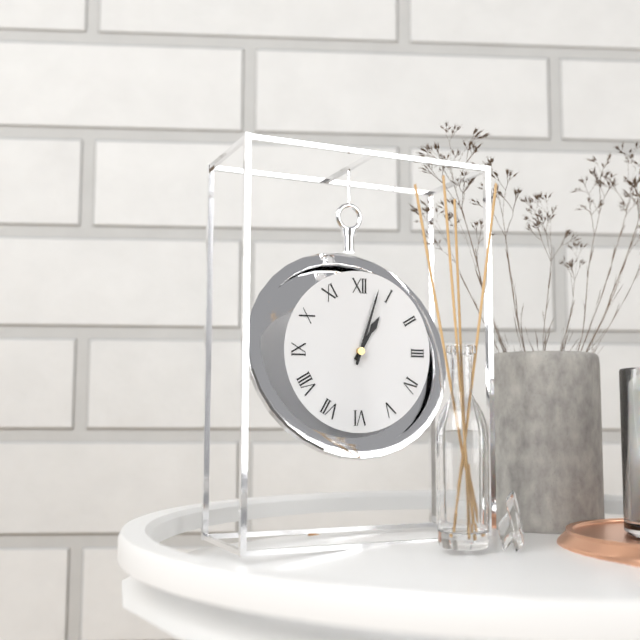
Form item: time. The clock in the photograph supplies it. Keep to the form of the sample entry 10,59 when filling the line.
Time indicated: 1,03
